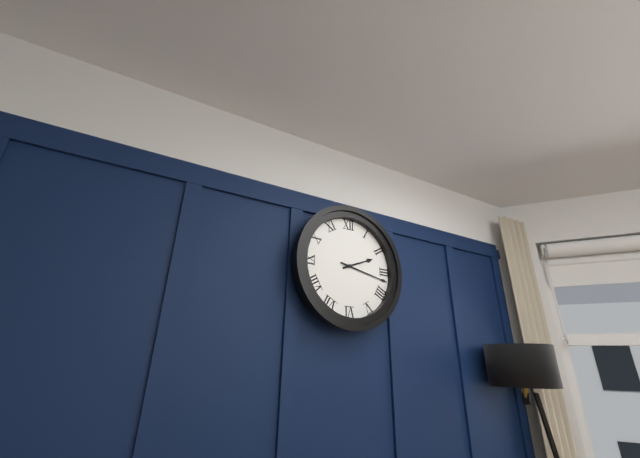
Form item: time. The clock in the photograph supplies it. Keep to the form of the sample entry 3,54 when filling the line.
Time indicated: 2,17
